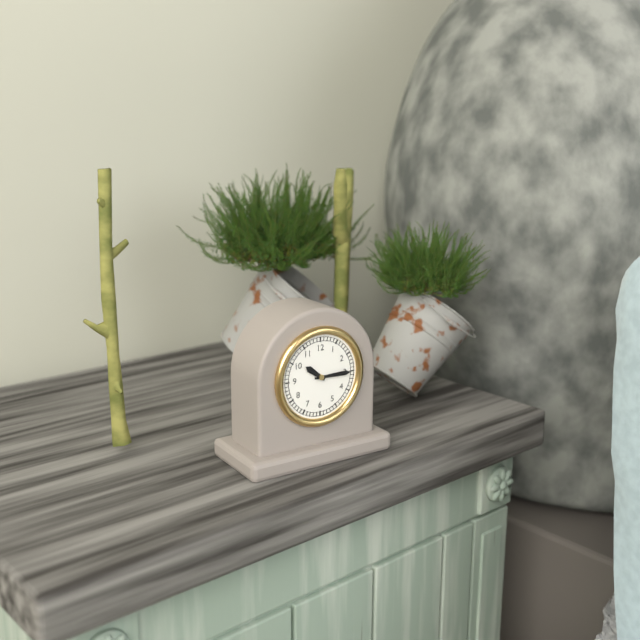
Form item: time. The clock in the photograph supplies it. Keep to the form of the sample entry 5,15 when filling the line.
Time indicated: 10,15
